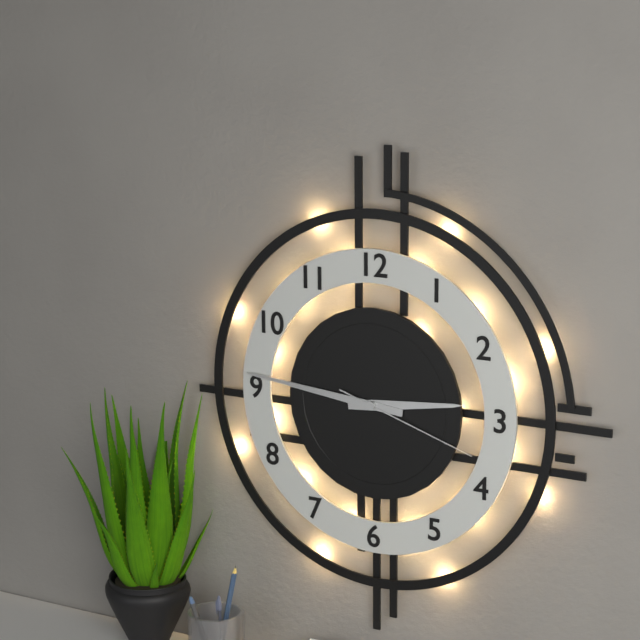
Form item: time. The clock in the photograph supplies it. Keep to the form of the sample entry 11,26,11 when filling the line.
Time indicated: 2,46,18
